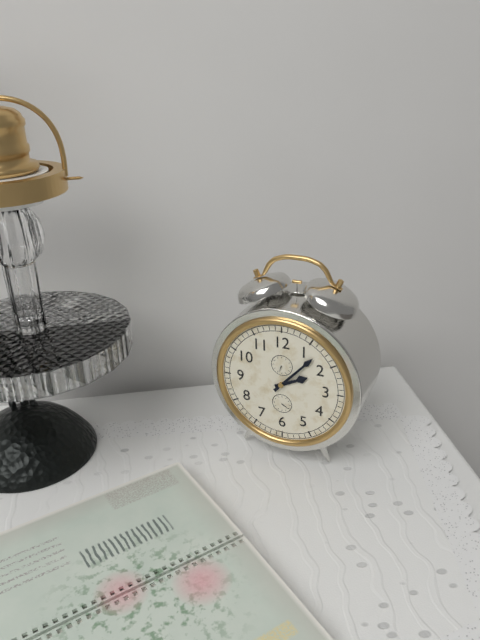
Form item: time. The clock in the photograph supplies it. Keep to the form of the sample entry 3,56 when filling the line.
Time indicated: 2,07
